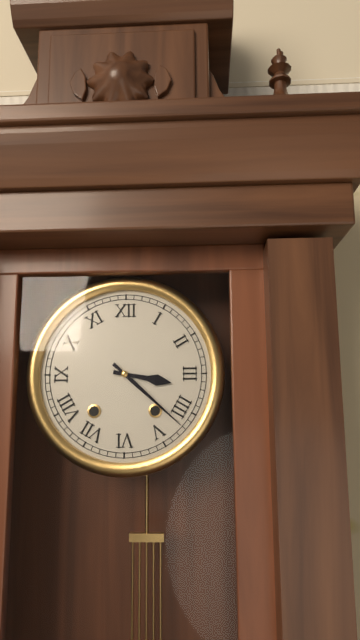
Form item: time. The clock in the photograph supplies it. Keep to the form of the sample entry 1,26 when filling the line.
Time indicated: 3,22
